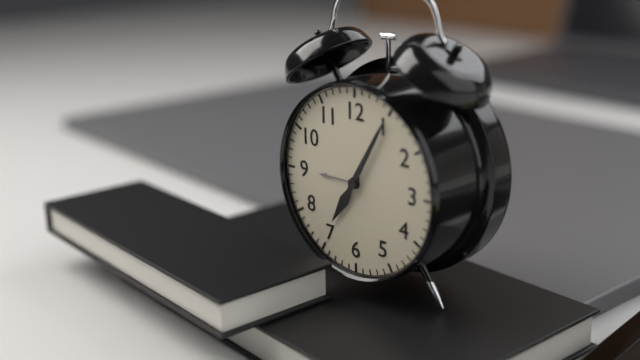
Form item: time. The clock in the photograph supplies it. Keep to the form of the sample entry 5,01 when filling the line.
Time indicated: 7,05
